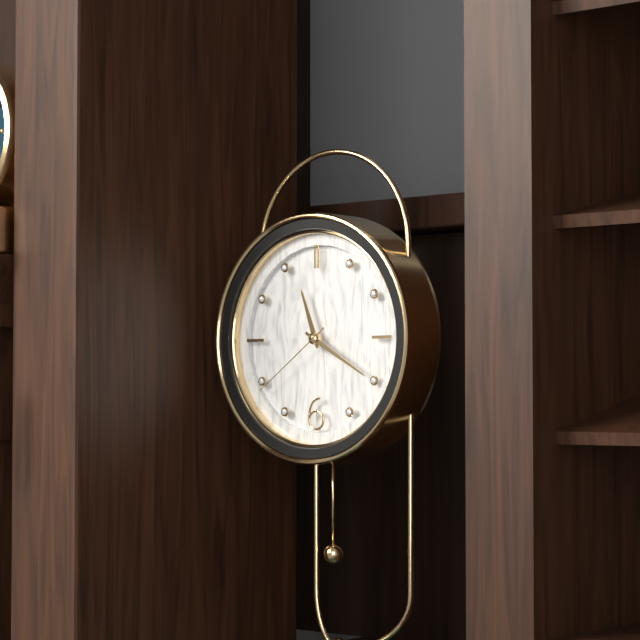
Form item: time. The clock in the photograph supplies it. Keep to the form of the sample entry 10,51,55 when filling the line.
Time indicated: 11,20,39
